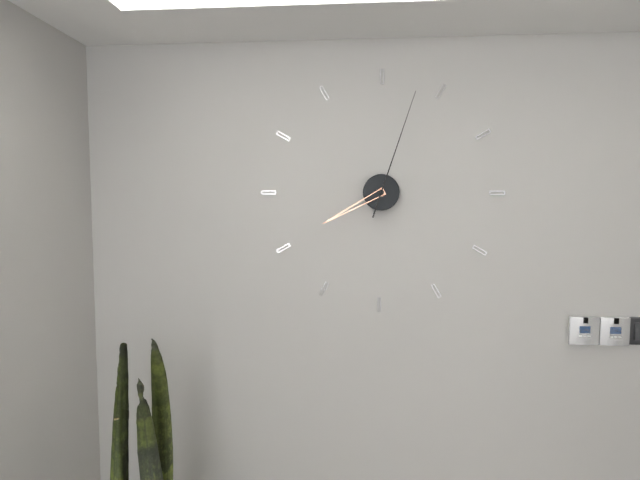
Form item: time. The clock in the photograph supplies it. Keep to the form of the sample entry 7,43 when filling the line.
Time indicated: 8,03
